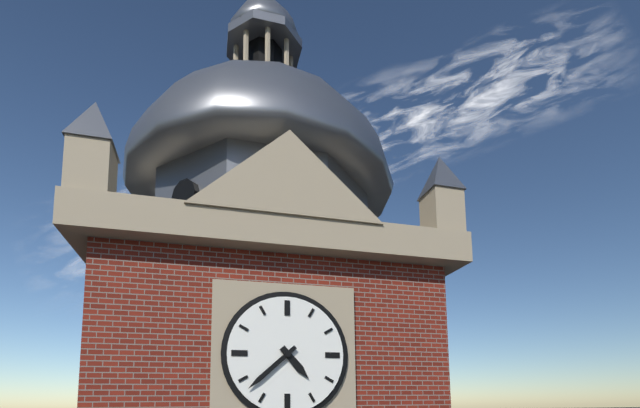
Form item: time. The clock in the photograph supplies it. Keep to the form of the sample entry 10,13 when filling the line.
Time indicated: 4,38
